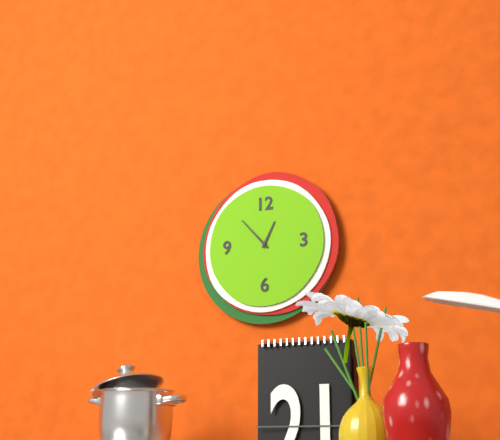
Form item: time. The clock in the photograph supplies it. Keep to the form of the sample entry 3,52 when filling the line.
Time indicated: 12,53
